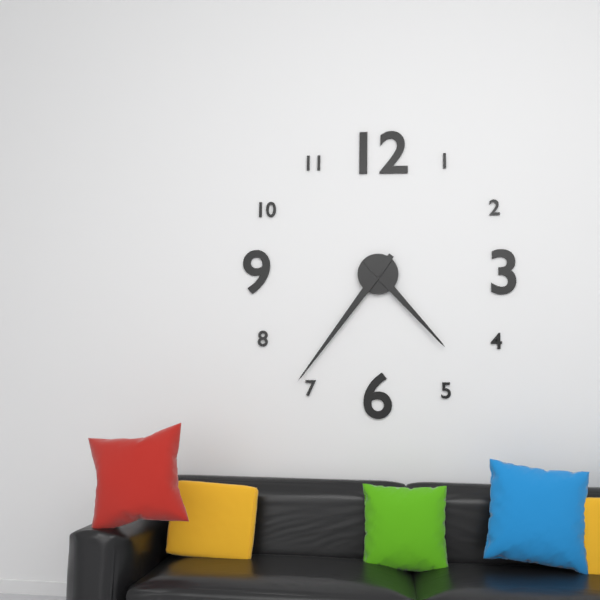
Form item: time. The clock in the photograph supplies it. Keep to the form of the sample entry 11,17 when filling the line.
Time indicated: 4,36
